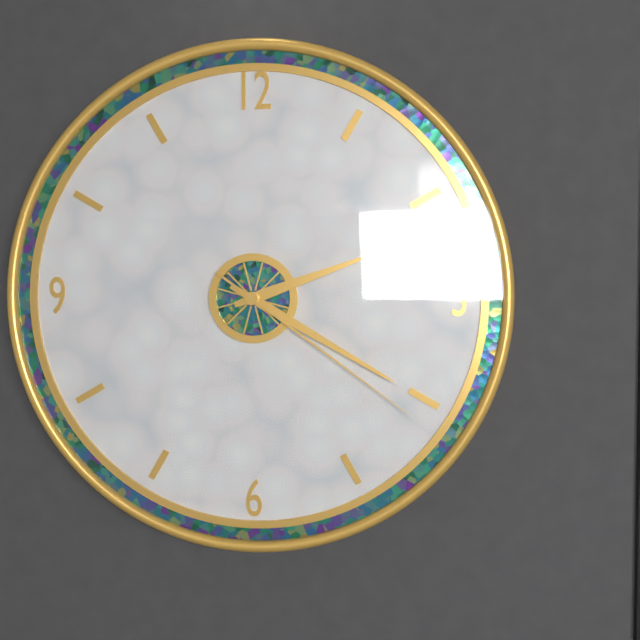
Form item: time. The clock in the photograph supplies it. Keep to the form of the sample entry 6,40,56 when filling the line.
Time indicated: 2,20,21
